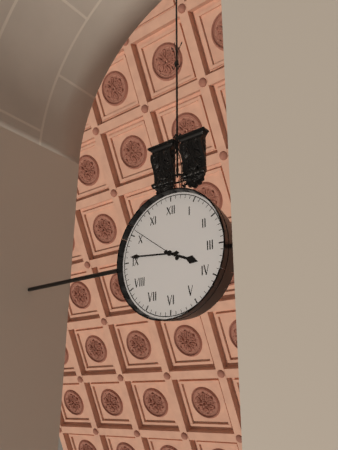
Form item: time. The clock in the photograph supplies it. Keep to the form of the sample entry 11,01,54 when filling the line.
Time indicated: 3,46,51
